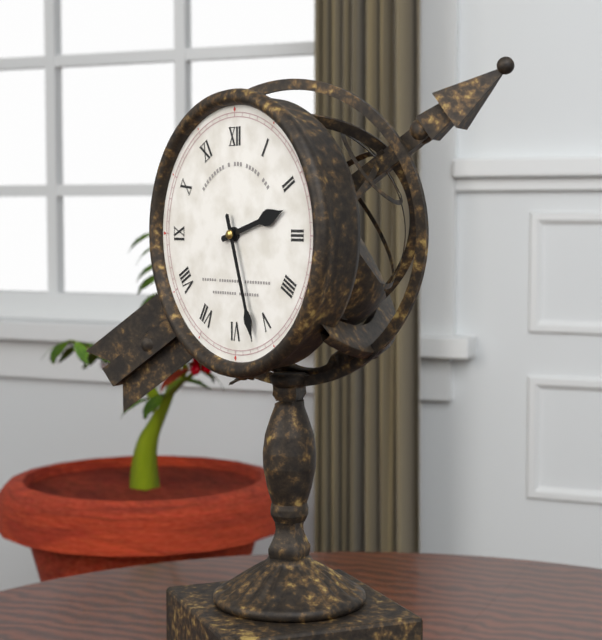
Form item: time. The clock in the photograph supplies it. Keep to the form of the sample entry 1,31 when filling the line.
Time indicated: 2,27
